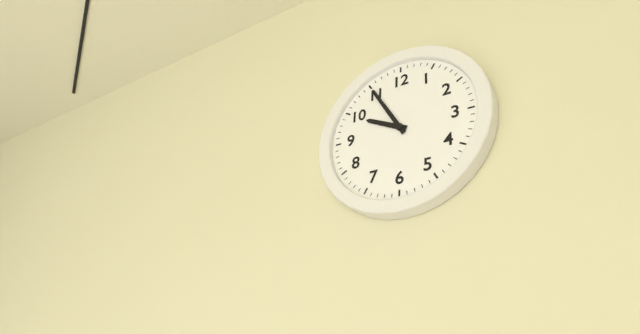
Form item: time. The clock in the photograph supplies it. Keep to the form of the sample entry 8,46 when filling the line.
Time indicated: 9,55
